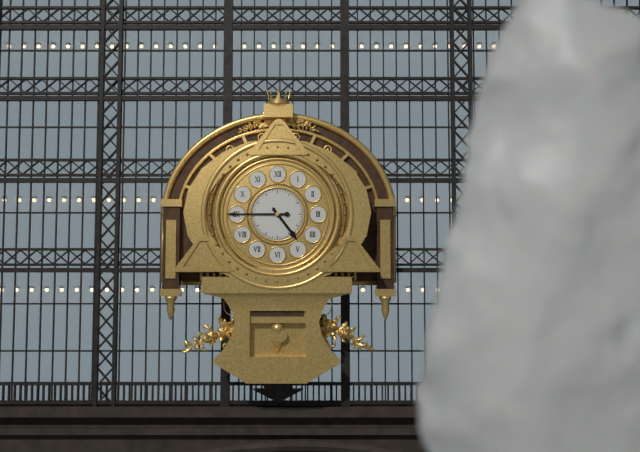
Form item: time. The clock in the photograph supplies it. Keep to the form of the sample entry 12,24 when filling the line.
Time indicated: 4,45
